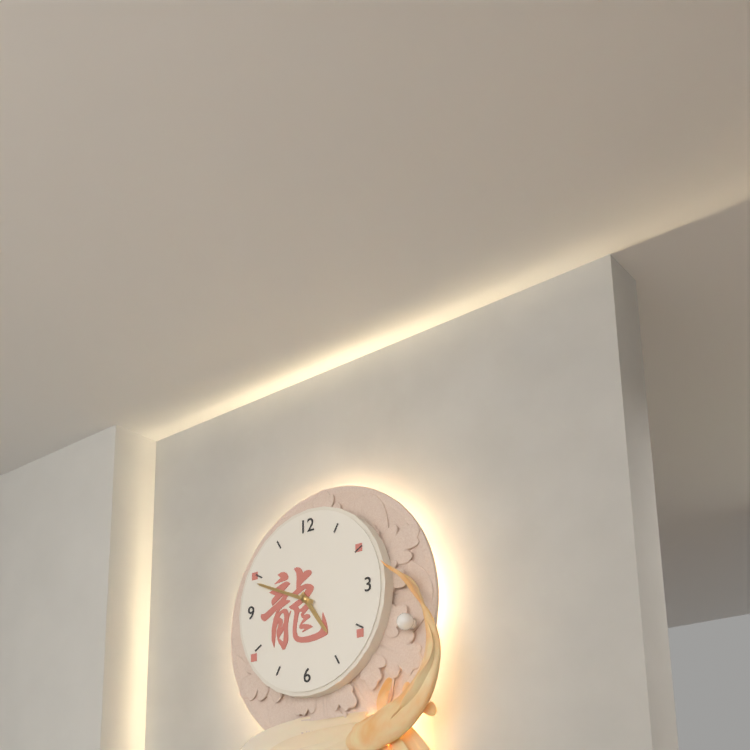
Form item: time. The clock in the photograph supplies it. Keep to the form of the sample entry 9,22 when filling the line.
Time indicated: 4,49
